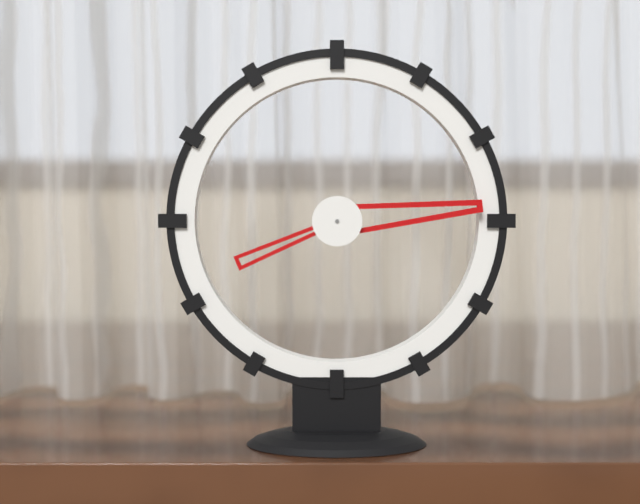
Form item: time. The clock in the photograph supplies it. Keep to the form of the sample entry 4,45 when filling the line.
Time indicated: 8,14
